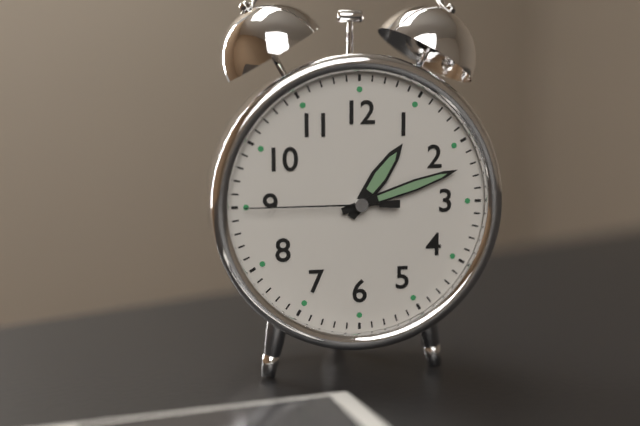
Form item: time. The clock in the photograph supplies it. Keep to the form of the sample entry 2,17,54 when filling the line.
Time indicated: 1,12,45
